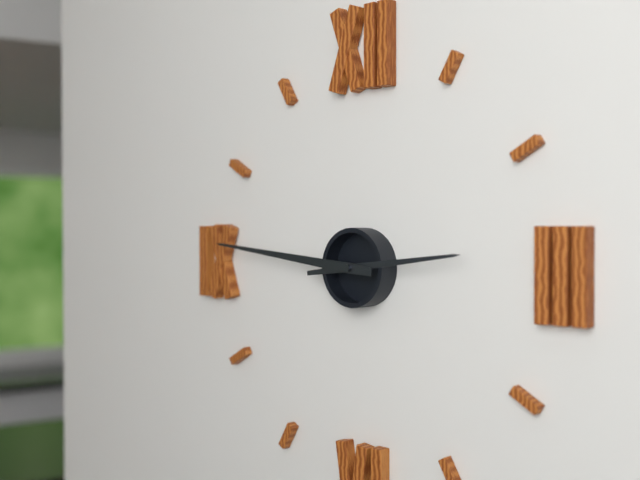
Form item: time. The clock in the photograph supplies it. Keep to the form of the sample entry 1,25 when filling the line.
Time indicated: 2,46
